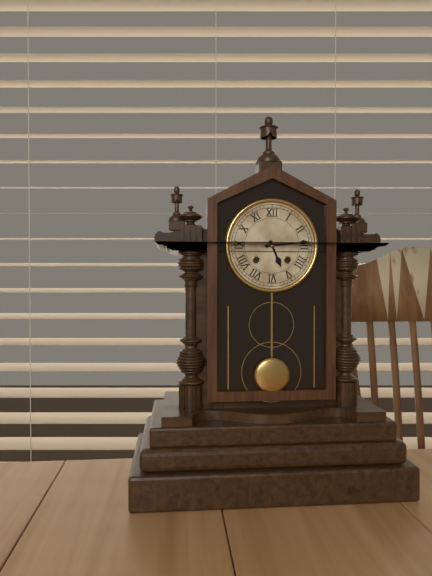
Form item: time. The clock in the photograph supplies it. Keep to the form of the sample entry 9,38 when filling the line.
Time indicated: 5,14
